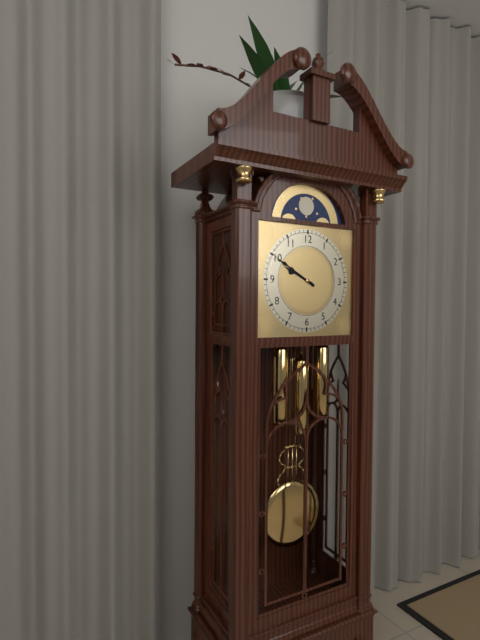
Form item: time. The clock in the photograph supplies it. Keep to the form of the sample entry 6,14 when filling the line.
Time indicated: 9,50
